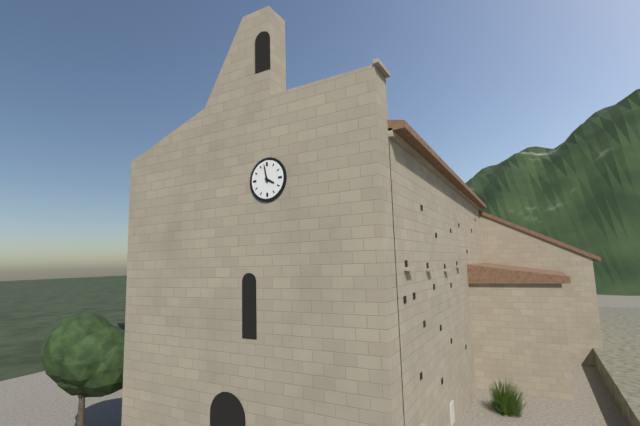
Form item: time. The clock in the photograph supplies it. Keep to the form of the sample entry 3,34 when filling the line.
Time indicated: 3,58
